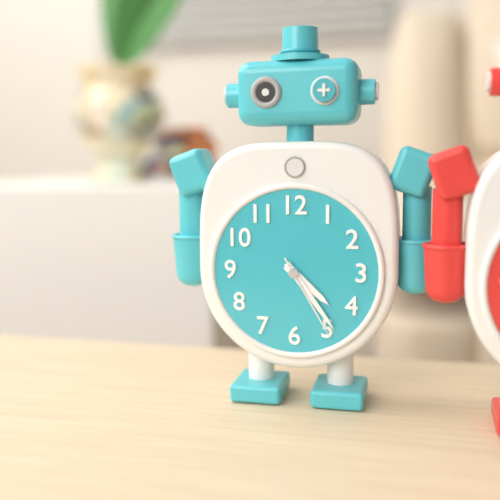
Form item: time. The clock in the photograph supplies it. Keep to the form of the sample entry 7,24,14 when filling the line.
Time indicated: 4,24,25
